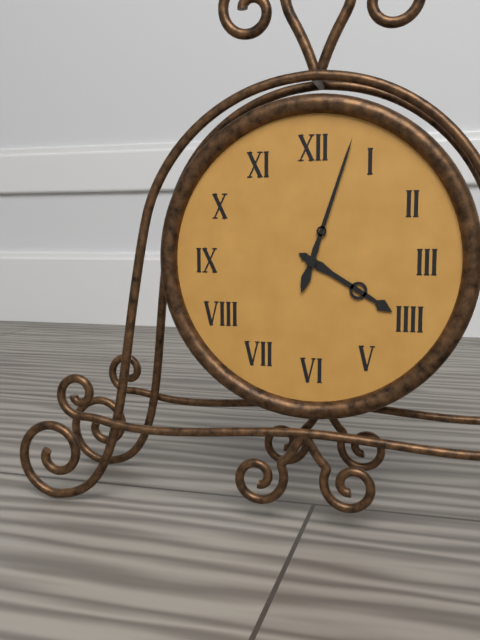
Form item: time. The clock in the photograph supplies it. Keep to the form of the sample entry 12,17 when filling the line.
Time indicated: 4,03
